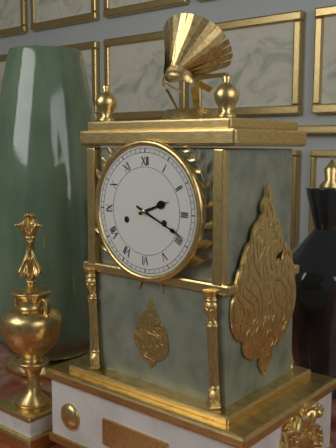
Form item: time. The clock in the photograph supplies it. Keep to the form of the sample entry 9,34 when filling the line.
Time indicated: 2,19
